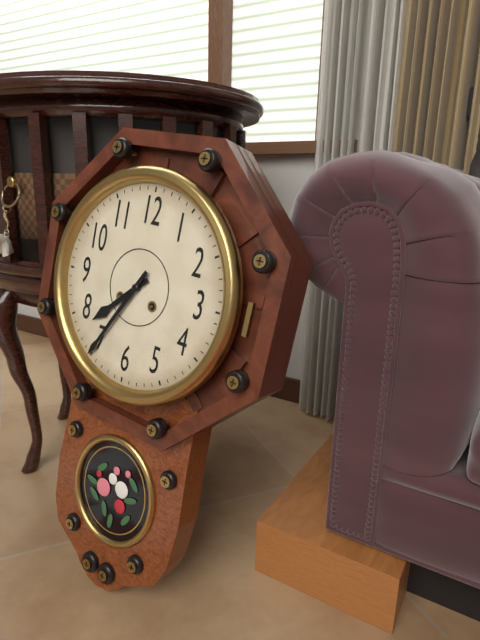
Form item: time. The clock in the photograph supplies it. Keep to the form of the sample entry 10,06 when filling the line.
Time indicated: 7,35
